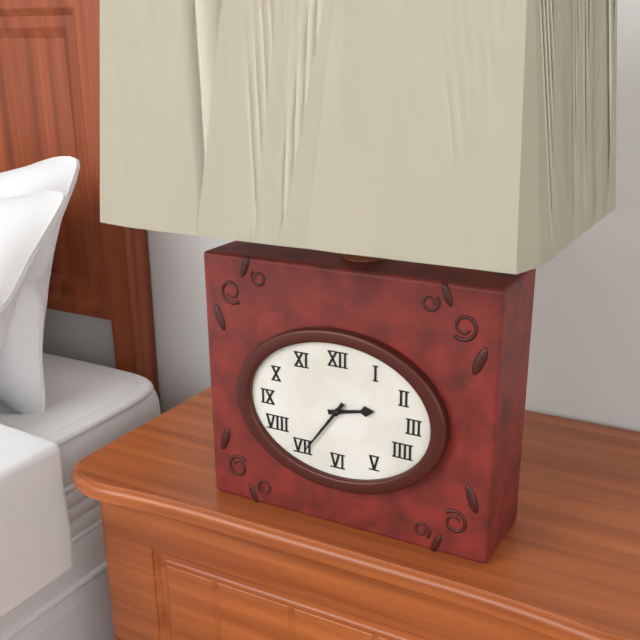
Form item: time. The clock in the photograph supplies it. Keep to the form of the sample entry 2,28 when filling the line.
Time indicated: 2,36
